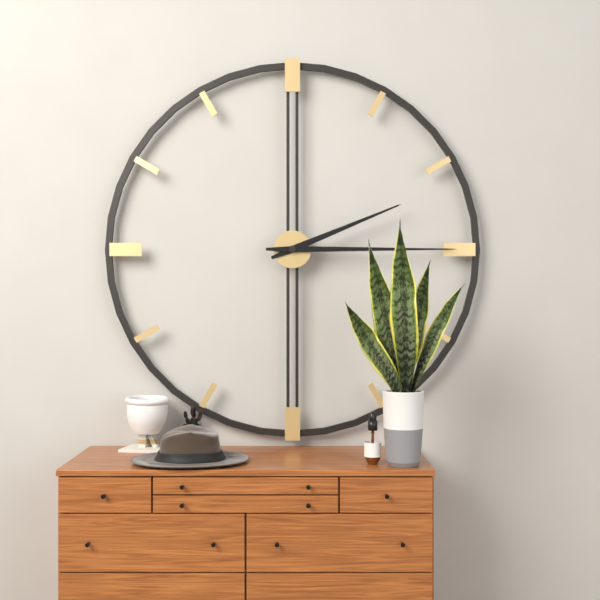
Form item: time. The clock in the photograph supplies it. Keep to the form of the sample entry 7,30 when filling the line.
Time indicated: 2,15
